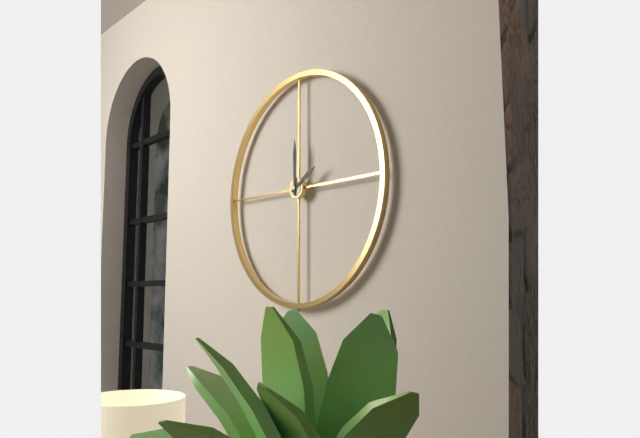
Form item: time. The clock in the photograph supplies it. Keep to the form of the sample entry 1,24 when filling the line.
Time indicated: 2,00
